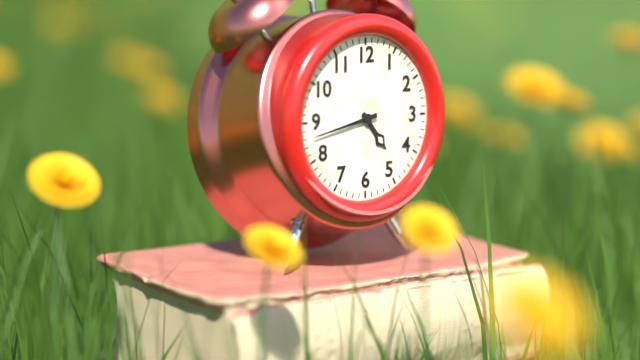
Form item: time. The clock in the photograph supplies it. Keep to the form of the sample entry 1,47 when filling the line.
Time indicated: 4,43
